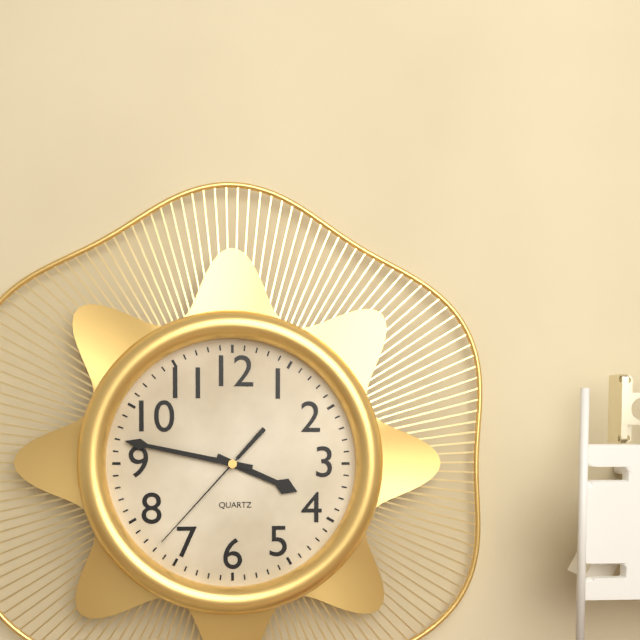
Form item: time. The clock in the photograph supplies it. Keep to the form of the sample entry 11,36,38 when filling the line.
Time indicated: 3,47,37
